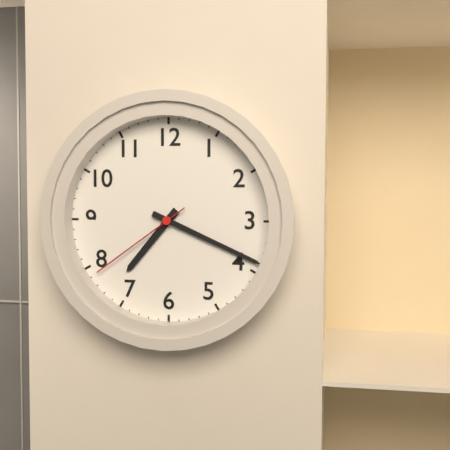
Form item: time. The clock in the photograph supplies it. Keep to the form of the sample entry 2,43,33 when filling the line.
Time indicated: 7,19,39
